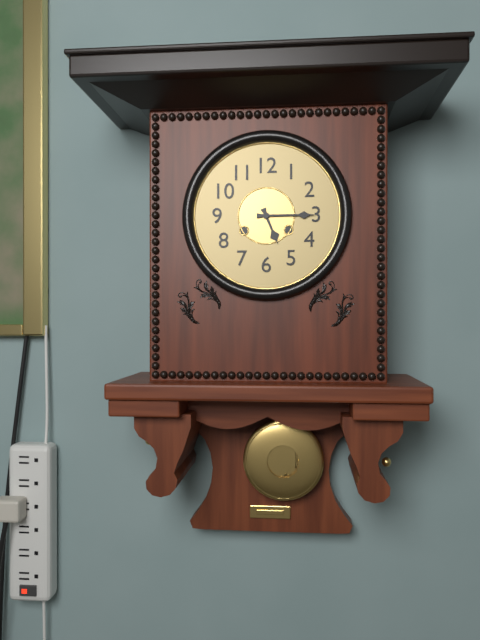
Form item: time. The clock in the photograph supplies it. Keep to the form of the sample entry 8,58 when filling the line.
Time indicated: 5,15
